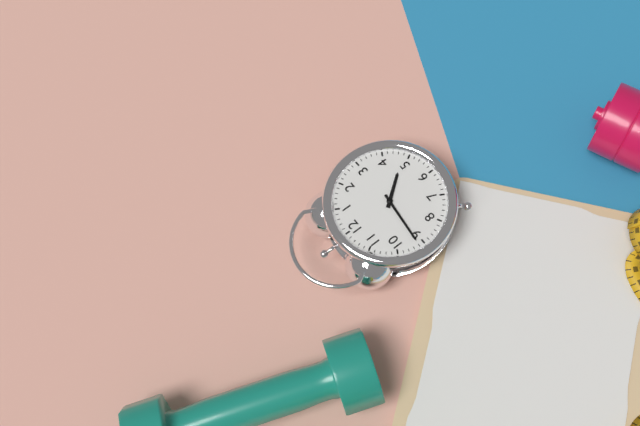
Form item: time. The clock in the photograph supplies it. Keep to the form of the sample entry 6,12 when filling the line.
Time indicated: 4,46
